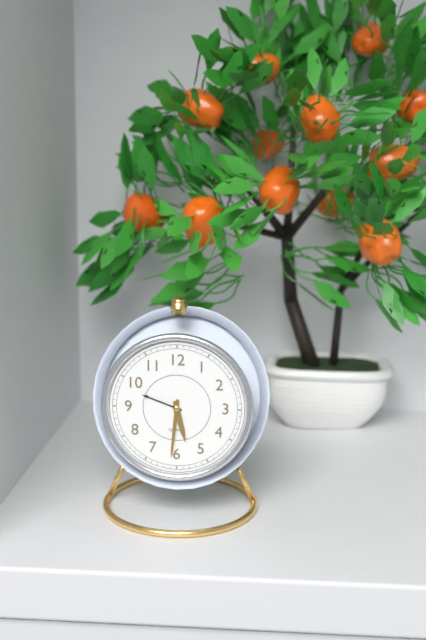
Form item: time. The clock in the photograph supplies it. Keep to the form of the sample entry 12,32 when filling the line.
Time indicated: 5,31
